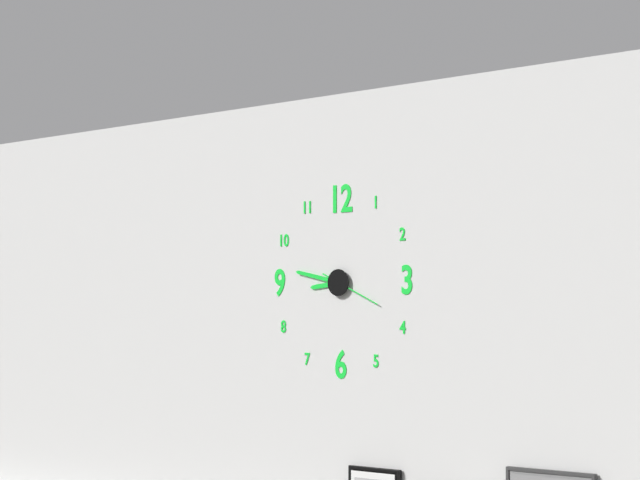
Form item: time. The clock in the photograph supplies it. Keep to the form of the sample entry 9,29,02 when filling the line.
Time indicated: 8,47,19
